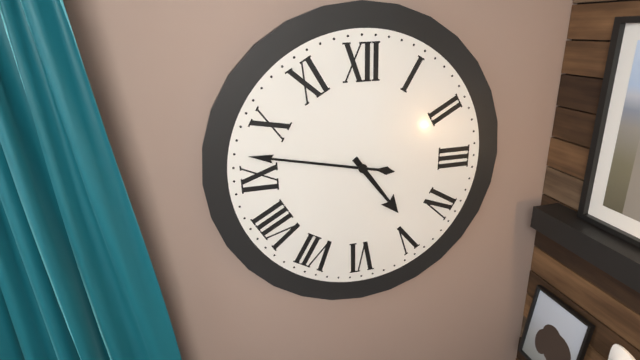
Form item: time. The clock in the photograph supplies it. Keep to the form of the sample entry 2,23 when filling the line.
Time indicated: 4,47
